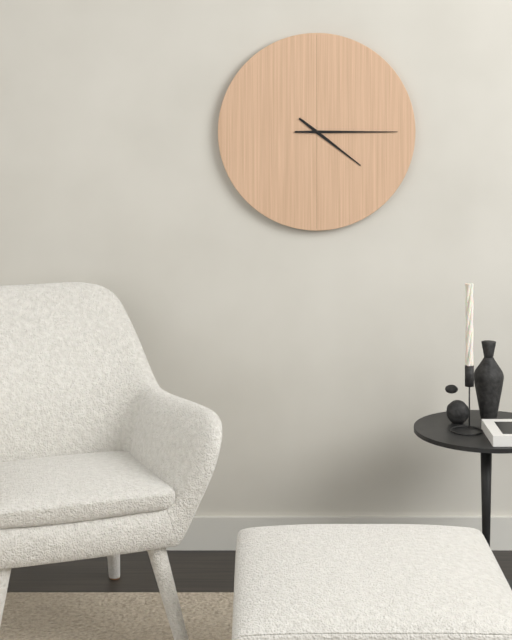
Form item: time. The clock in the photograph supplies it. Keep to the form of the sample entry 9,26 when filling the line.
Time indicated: 4,15
